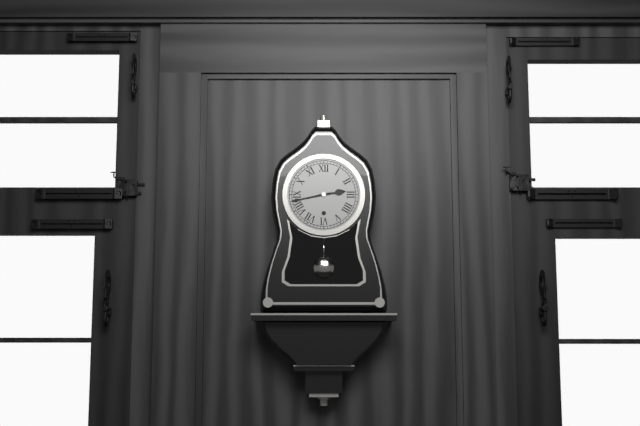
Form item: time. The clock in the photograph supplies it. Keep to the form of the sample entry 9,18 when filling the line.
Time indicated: 2,43
